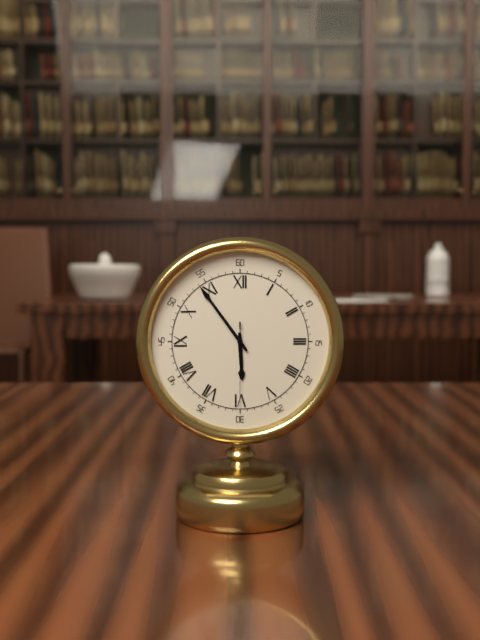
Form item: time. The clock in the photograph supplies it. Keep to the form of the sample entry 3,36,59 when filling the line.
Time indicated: 5,54,30
